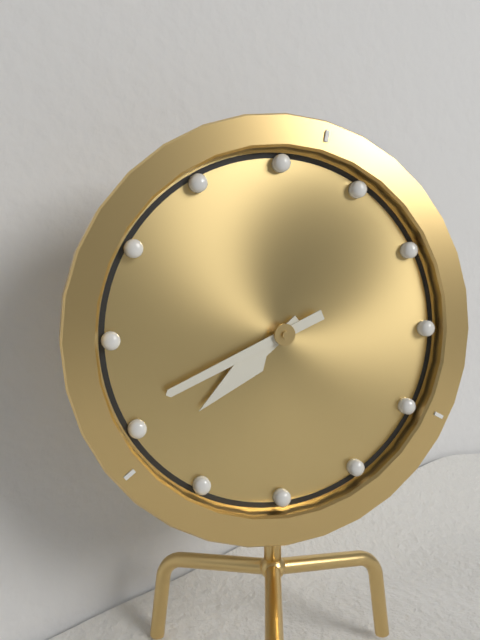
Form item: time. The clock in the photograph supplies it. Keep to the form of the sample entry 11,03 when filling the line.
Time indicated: 7,41
